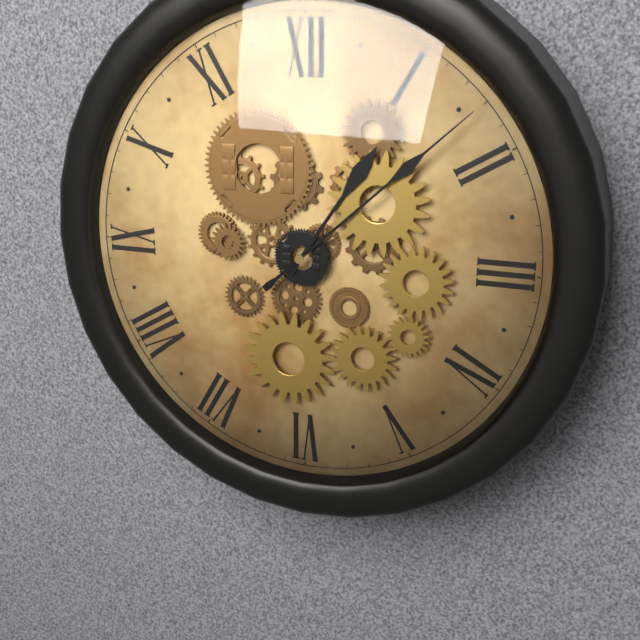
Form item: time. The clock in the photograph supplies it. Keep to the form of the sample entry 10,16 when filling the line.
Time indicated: 1,08
